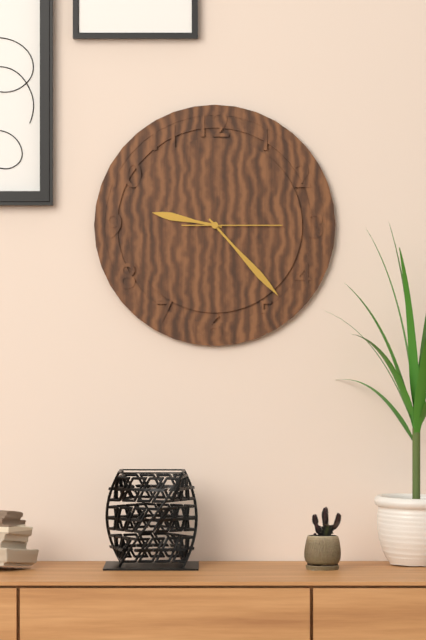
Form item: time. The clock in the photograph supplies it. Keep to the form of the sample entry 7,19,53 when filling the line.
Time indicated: 9,23,15
